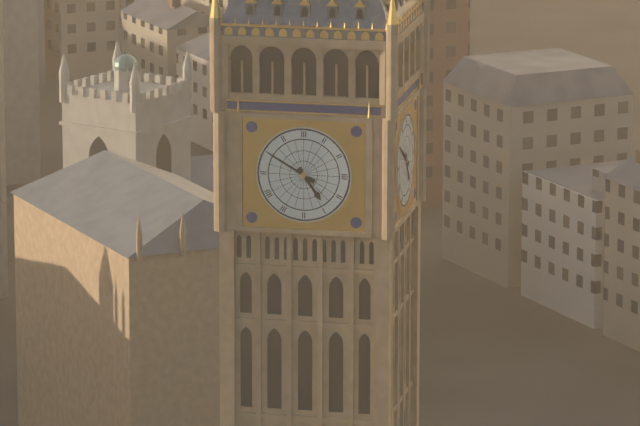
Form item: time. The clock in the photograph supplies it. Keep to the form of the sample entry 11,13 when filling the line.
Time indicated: 4,50
